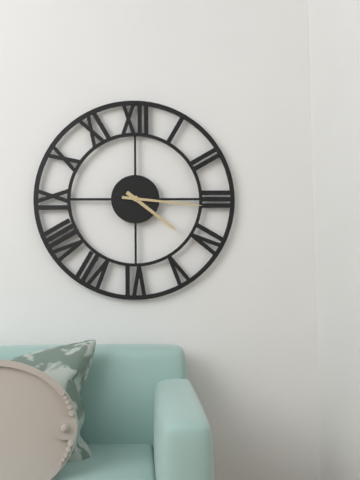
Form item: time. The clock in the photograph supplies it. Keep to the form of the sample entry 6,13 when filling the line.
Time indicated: 4,16
